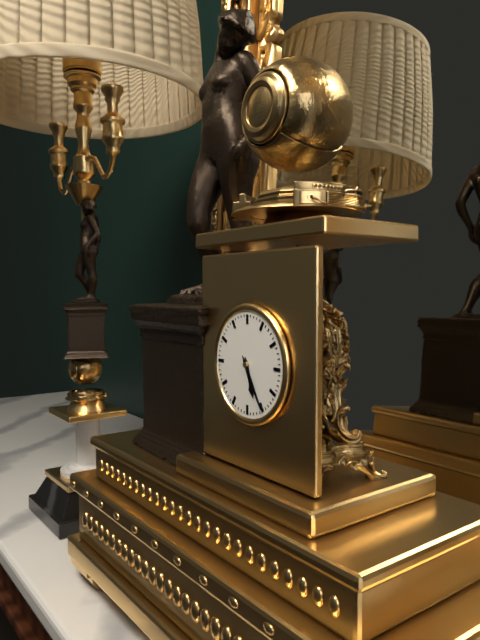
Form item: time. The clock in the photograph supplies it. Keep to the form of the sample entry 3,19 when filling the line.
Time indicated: 5,25
